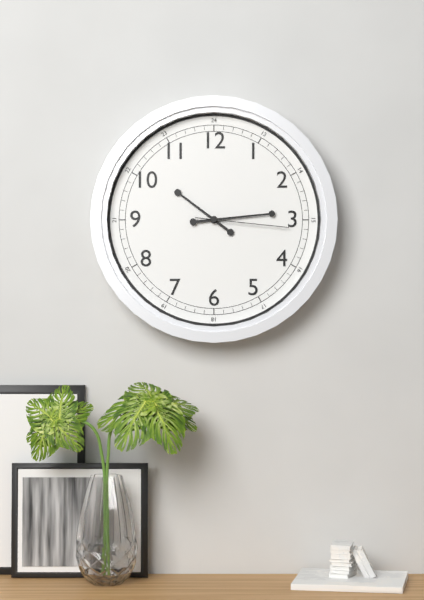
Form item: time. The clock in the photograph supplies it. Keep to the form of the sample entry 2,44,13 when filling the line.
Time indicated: 10,14,16
